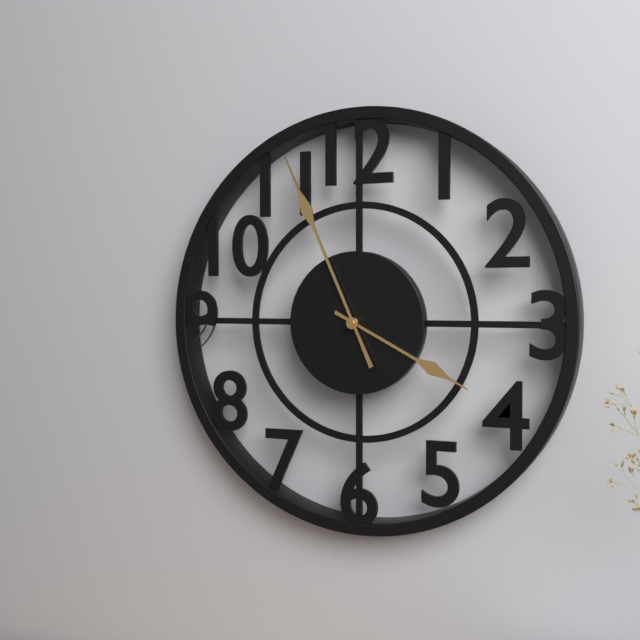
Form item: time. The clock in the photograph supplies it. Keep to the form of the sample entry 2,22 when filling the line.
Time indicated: 3,56
